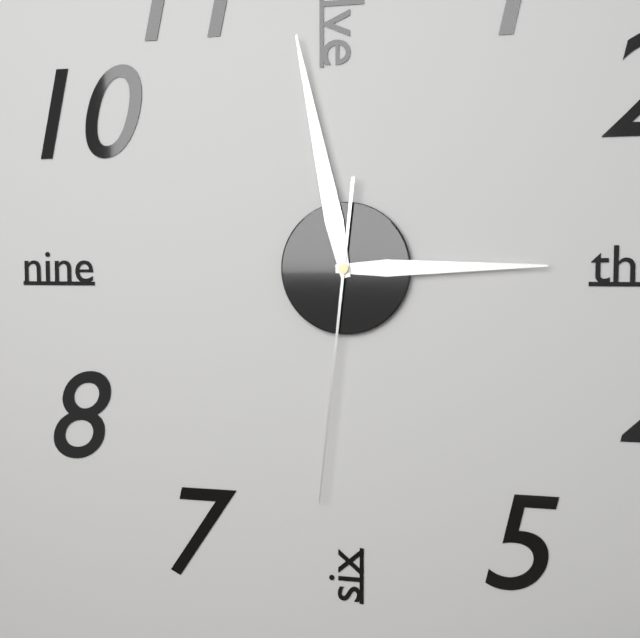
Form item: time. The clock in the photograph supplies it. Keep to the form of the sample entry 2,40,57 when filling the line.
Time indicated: 2,58,31
